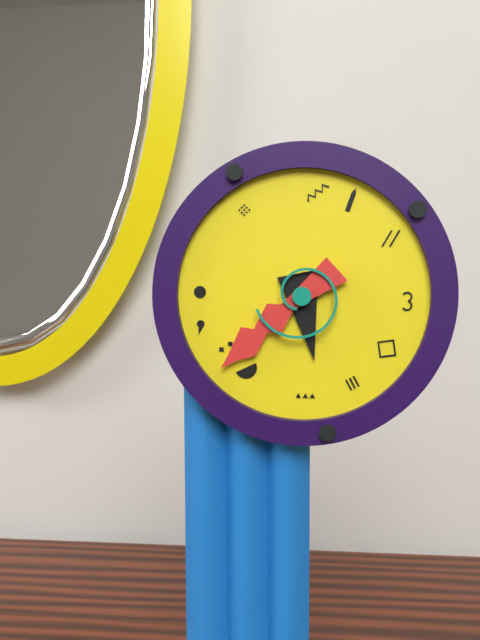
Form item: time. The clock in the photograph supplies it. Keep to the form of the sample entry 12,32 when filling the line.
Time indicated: 5,38
